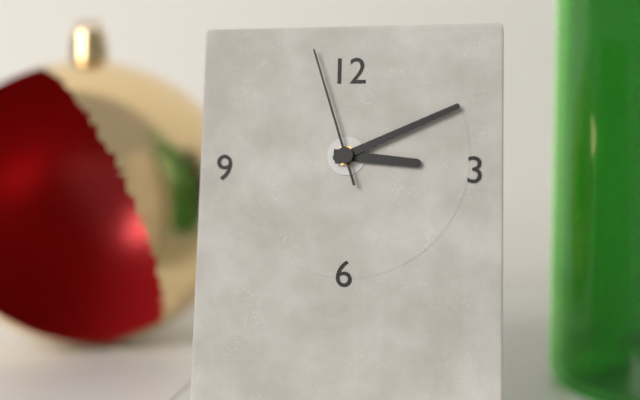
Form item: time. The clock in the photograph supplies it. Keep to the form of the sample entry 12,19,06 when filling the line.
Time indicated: 3,11,57
